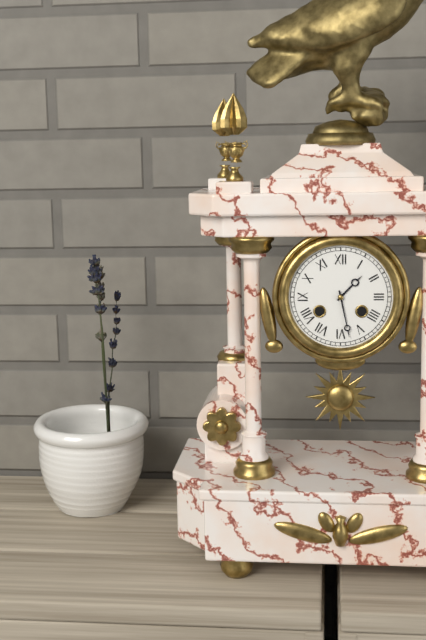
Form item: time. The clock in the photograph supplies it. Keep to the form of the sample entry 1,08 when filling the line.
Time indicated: 1,28
